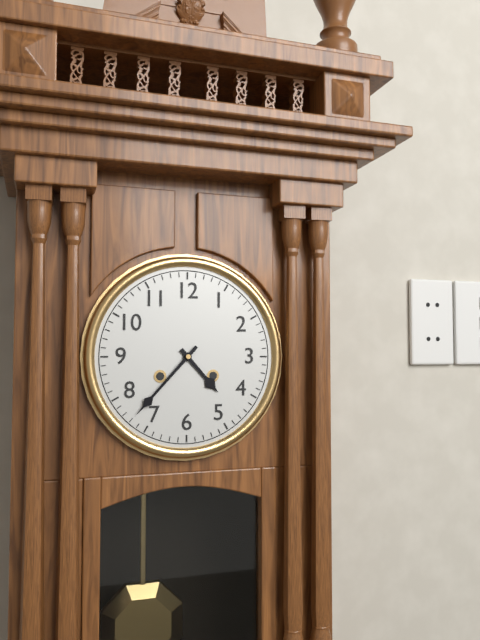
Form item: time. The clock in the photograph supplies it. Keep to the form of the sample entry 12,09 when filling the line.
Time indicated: 4,37
